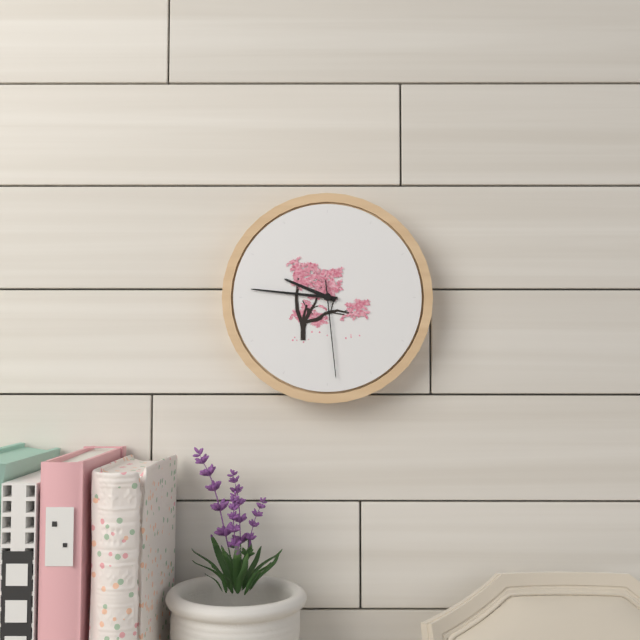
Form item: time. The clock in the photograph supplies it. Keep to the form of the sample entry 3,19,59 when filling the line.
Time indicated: 9,46,29
